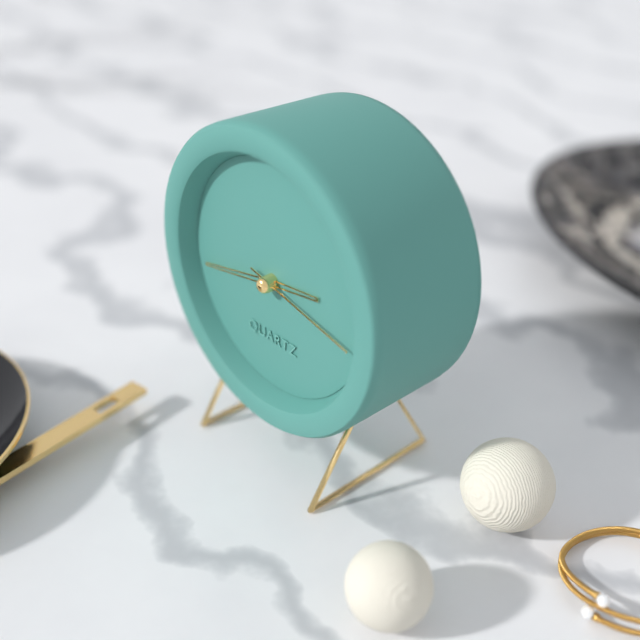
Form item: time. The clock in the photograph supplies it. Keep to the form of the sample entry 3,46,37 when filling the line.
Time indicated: 2,43,17
